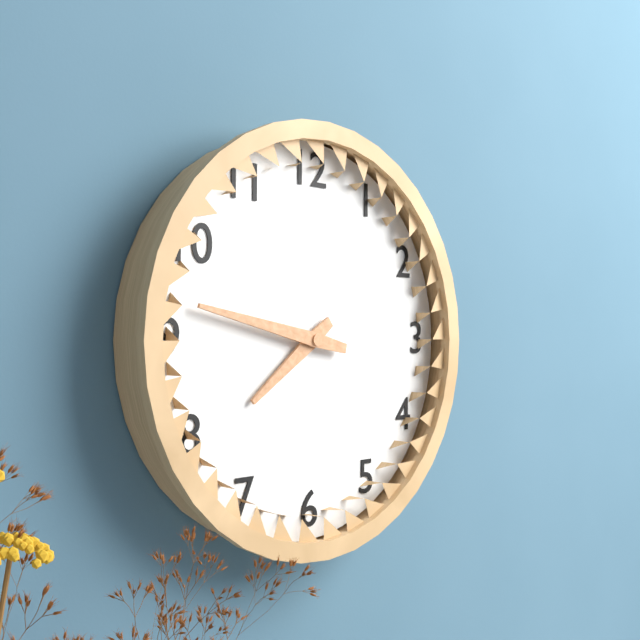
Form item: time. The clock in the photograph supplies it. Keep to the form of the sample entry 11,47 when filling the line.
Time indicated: 7,47
